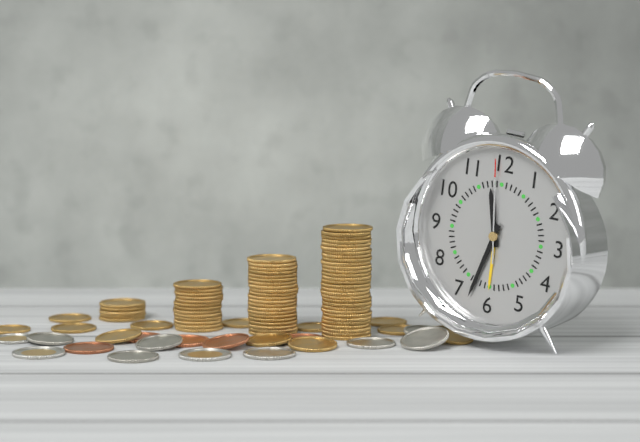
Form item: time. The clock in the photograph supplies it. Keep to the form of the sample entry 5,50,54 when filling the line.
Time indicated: 11,33,59
